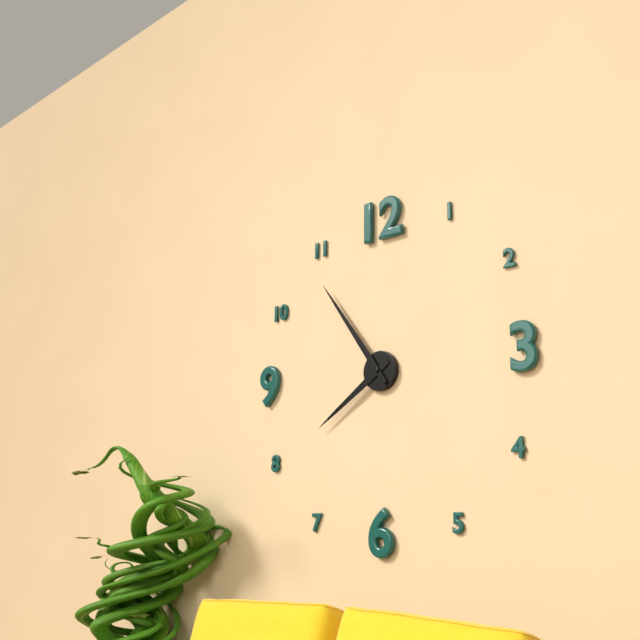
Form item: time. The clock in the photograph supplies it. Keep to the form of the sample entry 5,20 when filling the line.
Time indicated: 7,54
